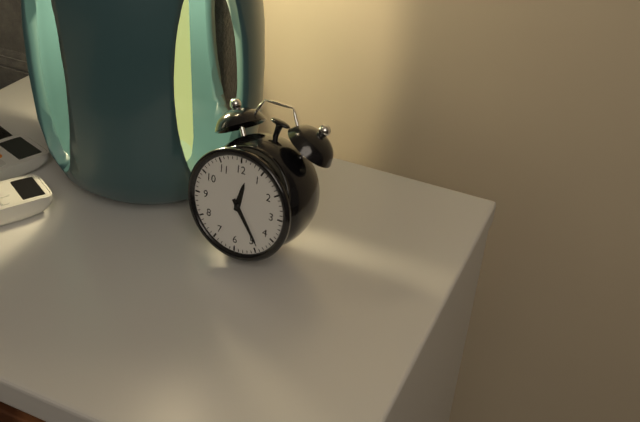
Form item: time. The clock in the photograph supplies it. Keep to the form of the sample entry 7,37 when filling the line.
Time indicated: 12,24
